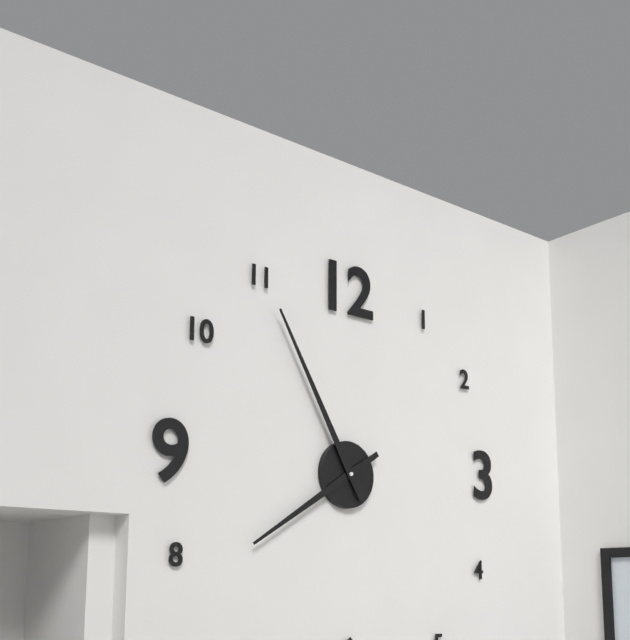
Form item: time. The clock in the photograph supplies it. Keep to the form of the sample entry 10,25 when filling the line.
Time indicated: 7,55
